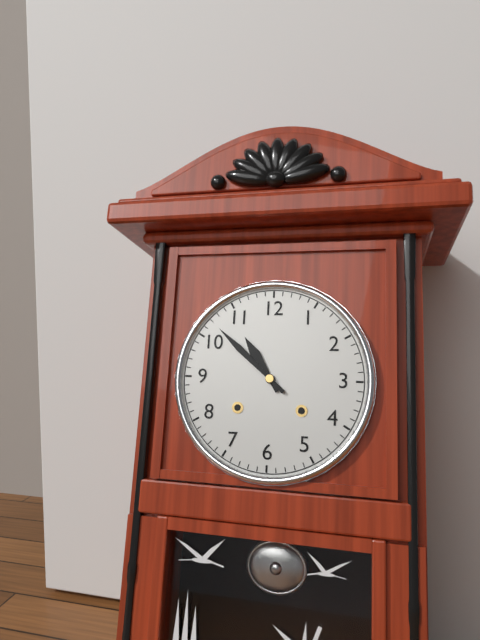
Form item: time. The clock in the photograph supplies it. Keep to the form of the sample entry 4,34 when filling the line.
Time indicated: 10,52
